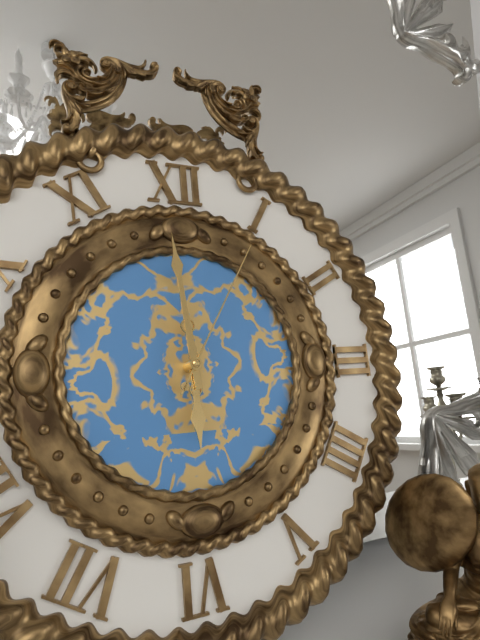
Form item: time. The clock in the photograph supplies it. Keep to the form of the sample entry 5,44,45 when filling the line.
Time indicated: 5,59,05
